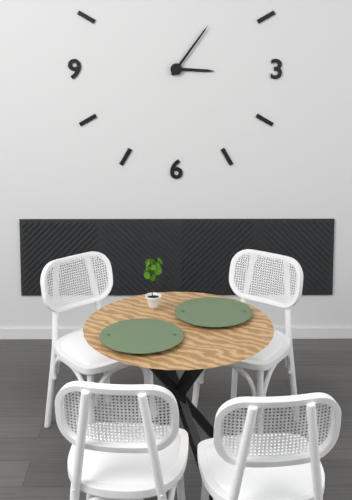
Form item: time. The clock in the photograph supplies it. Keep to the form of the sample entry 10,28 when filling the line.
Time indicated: 3,06
